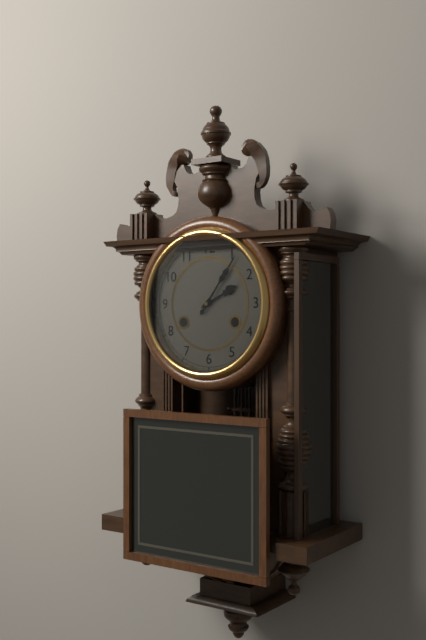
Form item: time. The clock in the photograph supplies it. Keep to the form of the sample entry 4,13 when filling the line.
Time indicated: 2,06
